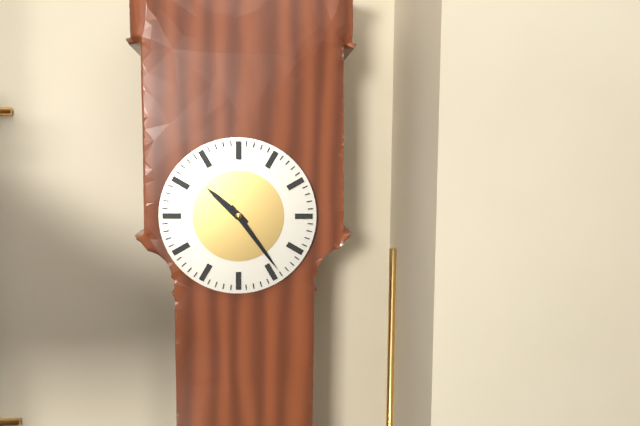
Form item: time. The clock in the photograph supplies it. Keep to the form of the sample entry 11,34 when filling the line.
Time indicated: 10,24
